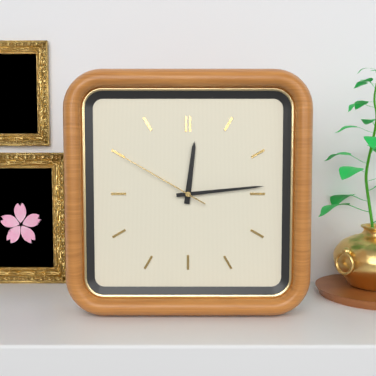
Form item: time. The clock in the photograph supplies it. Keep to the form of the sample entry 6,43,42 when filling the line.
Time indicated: 12,14,50
